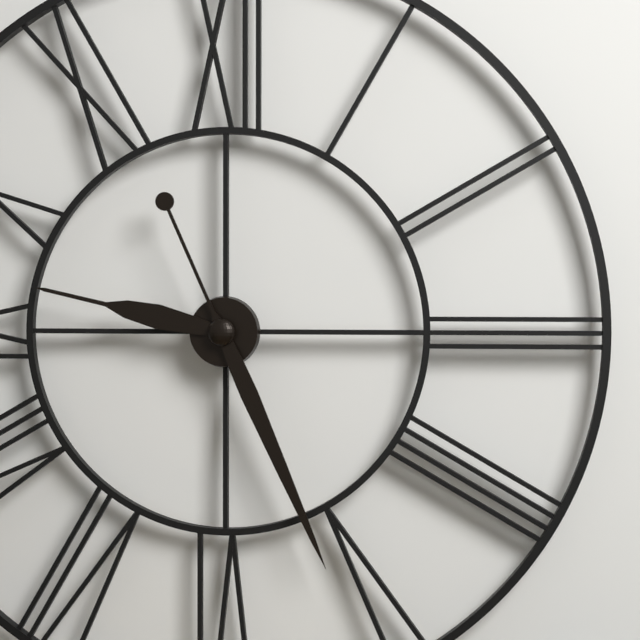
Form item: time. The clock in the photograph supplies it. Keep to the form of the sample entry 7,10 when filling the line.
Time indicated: 9,26
